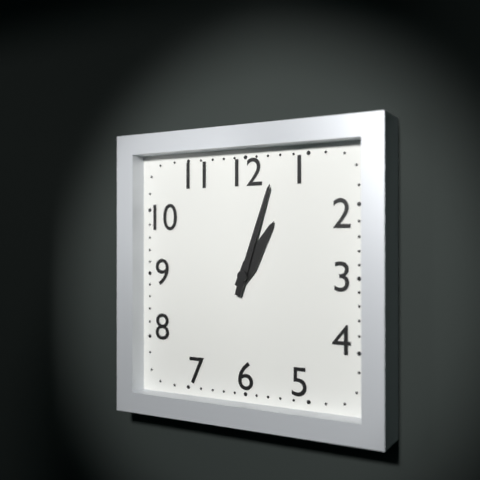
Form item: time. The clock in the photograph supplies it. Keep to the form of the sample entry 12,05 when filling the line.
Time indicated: 1,03
